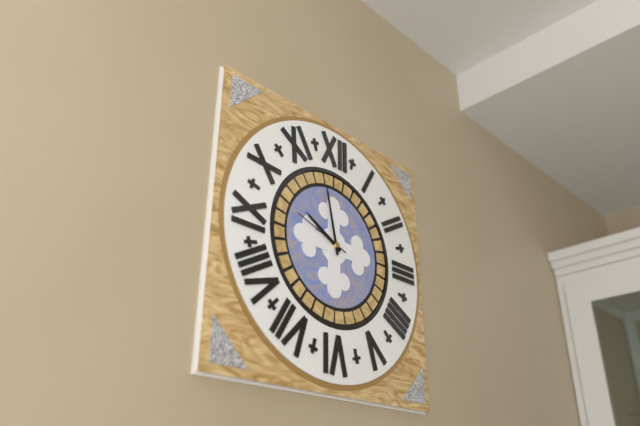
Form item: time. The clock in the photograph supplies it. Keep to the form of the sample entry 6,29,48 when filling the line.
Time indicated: 9,58,48
